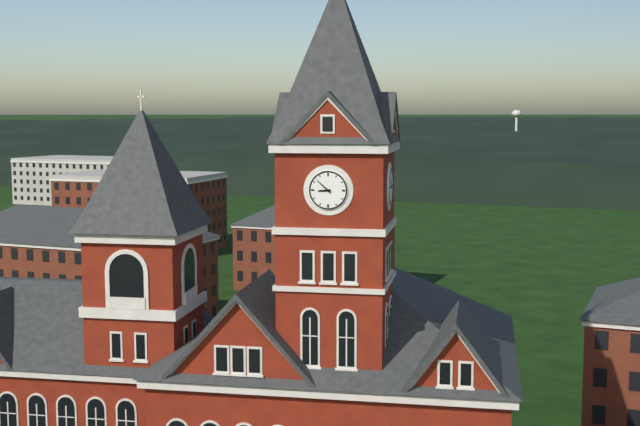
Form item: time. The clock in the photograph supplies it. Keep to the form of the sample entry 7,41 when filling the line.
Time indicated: 8,52
